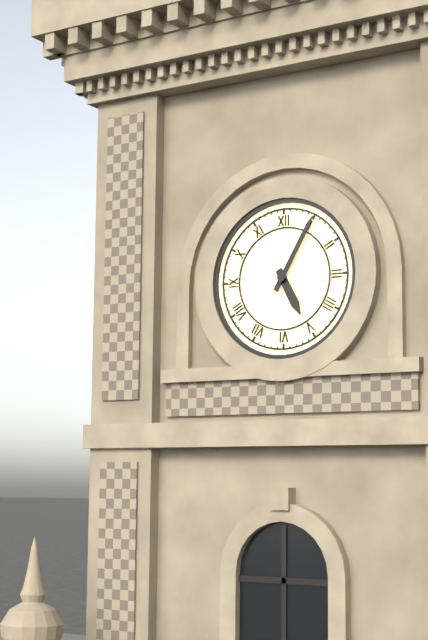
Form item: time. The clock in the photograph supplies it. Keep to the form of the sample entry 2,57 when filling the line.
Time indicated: 5,05
